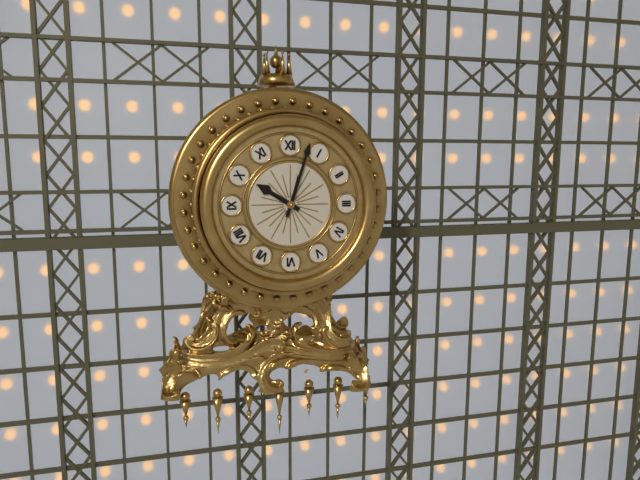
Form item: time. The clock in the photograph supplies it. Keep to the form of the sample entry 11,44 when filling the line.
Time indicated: 10,03
